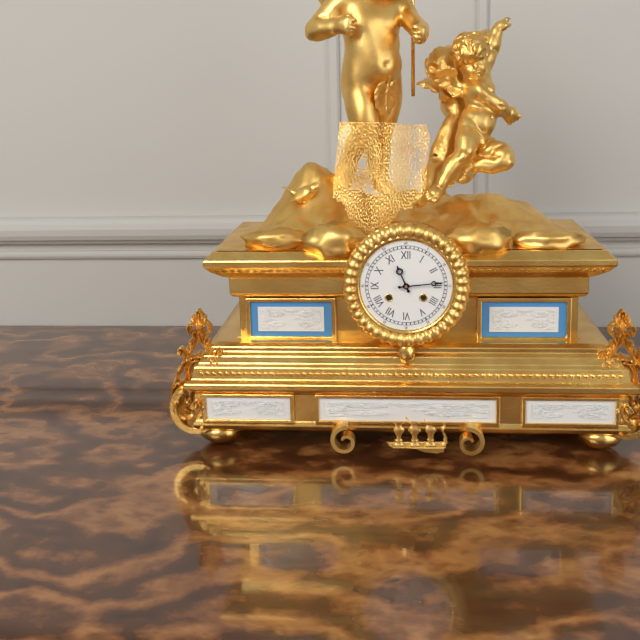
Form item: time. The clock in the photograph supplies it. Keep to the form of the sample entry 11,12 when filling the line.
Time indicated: 11,14
